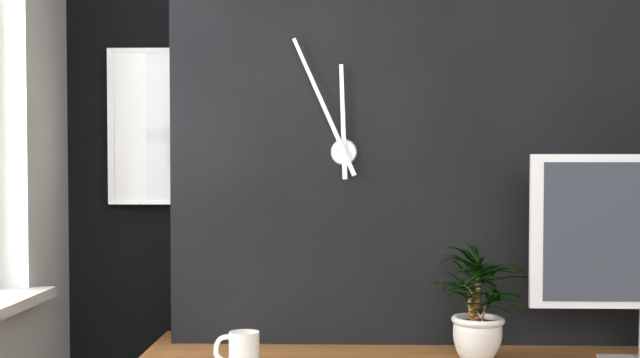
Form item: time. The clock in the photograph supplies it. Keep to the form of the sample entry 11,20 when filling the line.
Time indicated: 11,56
